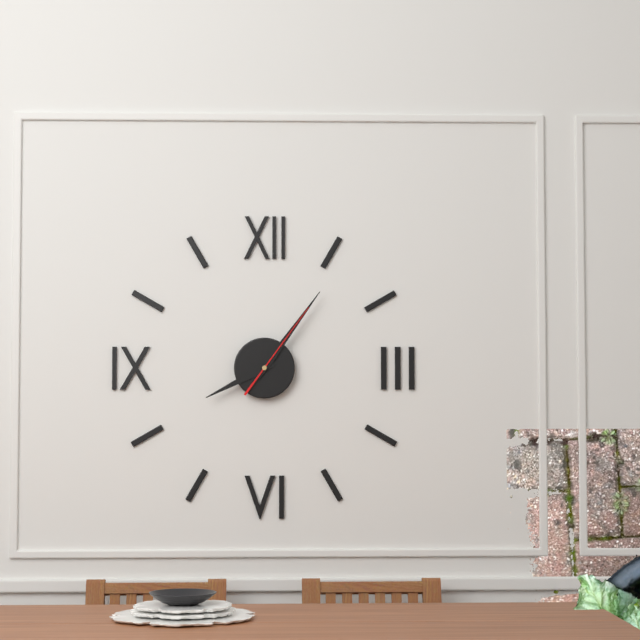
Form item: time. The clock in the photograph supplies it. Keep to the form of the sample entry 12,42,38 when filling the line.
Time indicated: 8,06,06
